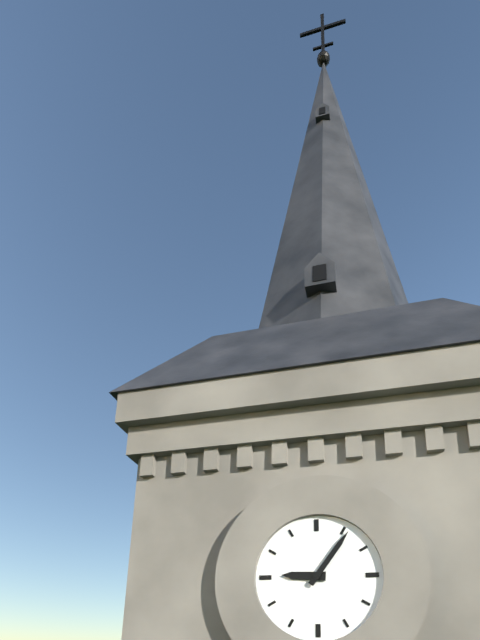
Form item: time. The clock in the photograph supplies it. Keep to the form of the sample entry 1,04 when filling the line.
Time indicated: 9,06
